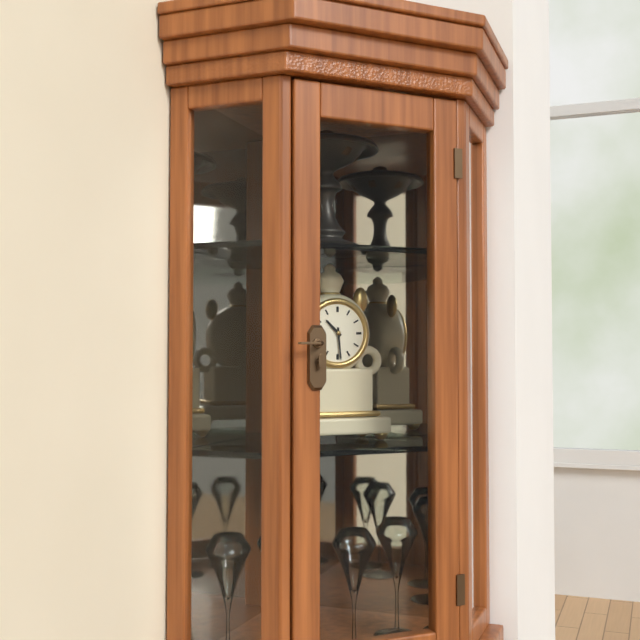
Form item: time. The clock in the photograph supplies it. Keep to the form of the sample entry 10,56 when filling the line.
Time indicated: 10,29
